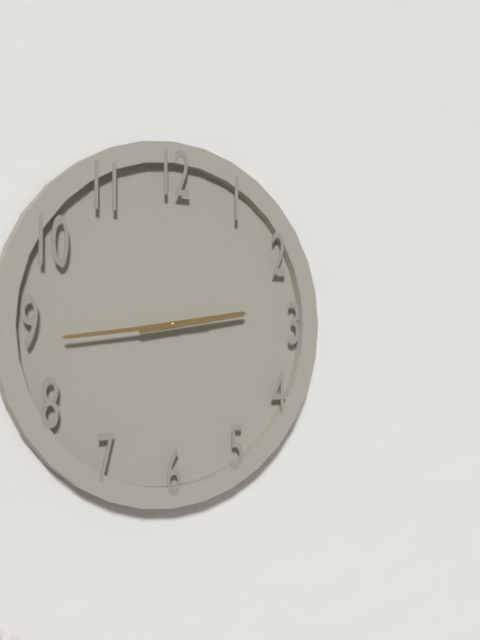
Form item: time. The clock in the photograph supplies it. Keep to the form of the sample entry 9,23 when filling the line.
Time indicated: 2,44
